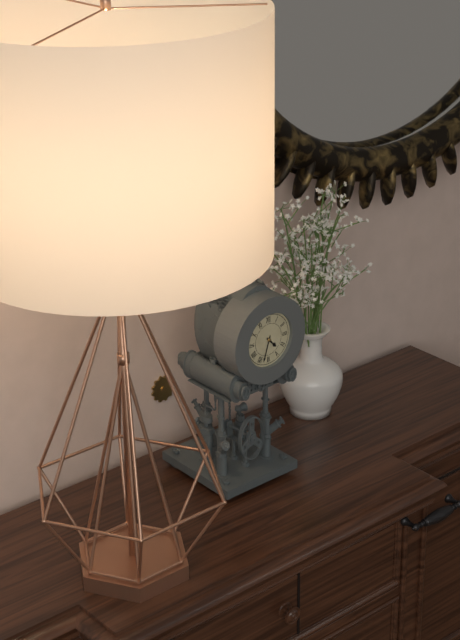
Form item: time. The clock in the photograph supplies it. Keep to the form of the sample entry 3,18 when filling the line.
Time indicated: 4,33
